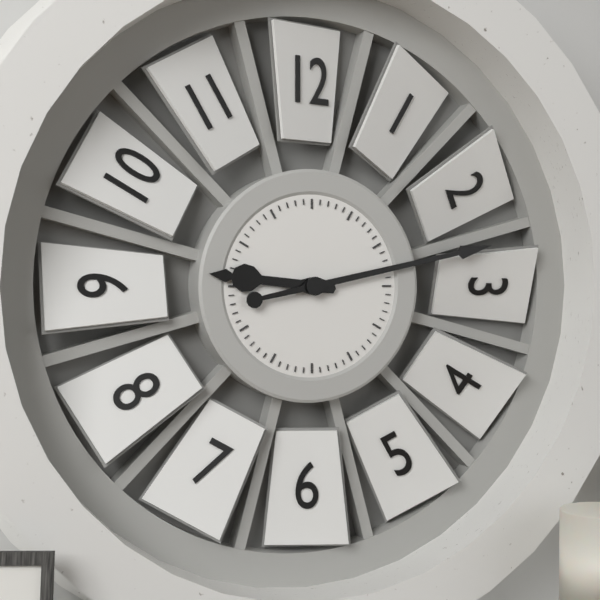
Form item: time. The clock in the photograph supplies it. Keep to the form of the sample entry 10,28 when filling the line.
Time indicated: 9,13
